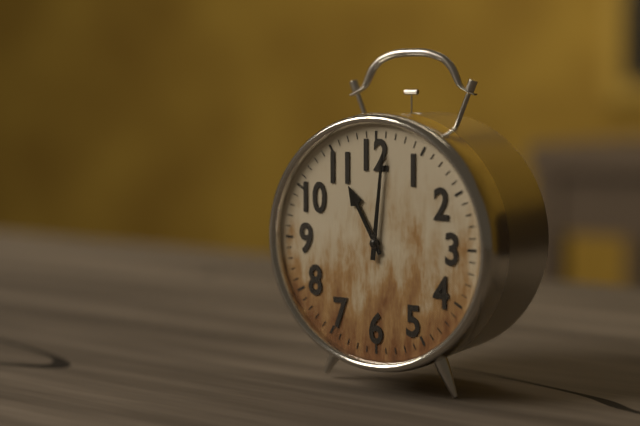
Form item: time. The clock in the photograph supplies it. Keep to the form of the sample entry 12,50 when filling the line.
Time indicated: 11,01
